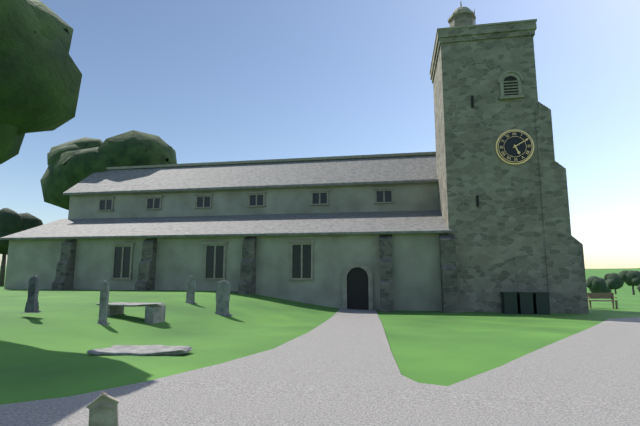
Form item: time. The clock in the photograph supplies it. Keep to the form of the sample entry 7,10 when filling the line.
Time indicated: 5,10
